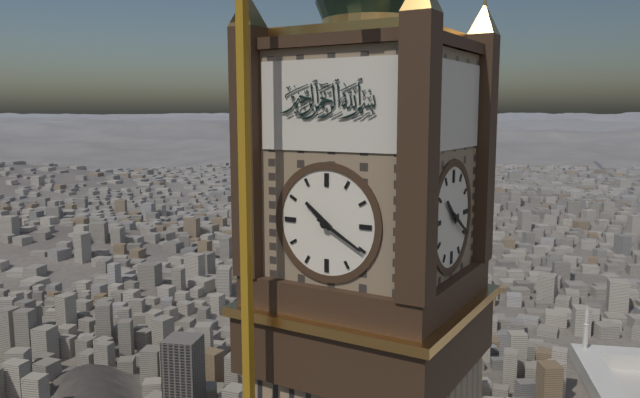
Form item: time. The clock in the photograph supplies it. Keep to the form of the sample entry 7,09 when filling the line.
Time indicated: 10,20
